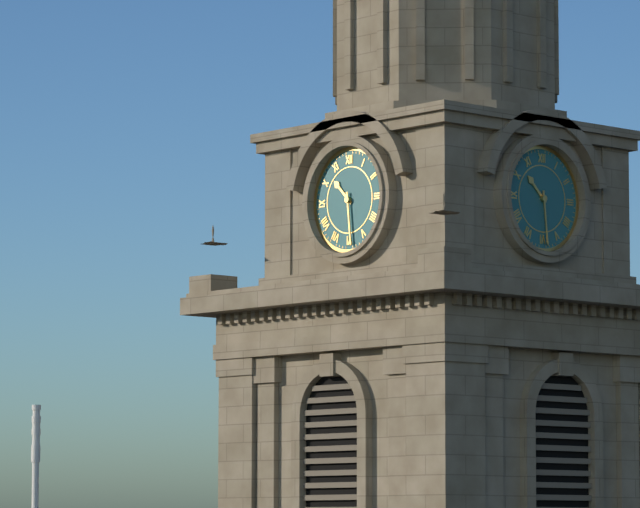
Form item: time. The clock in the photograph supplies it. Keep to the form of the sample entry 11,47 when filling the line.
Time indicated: 10,29
